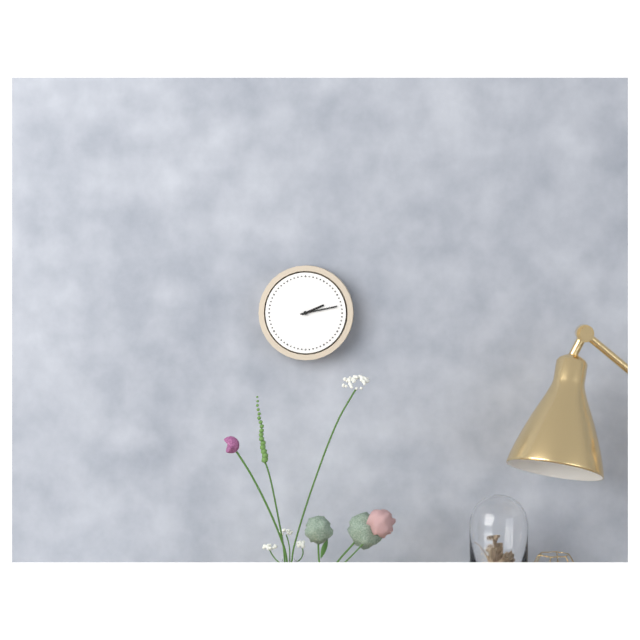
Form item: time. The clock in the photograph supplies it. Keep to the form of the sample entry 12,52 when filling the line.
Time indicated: 2,13
